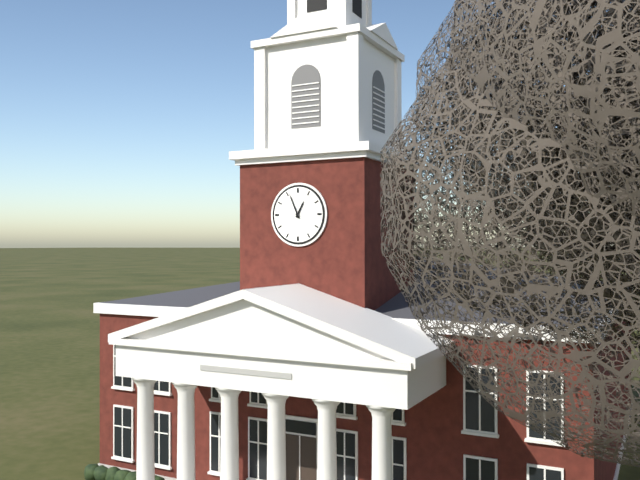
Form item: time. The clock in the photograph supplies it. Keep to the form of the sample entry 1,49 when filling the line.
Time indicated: 12,56
